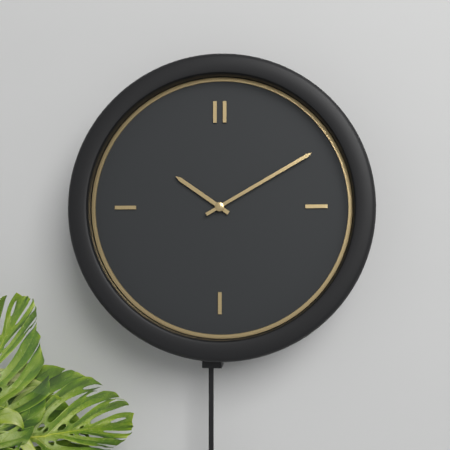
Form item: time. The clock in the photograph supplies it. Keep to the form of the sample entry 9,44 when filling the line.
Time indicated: 10,10
